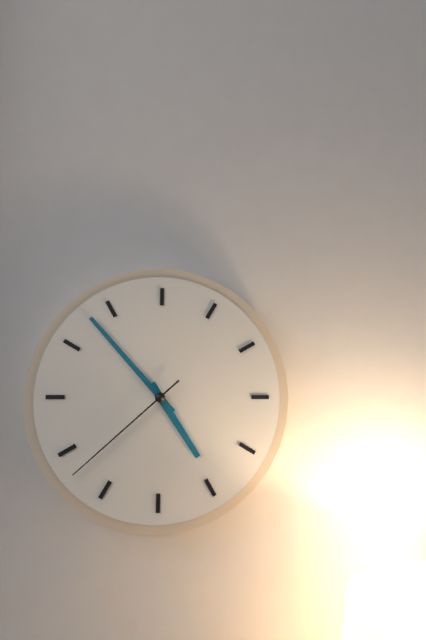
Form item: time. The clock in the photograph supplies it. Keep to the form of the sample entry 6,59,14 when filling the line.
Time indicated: 4,53,38
